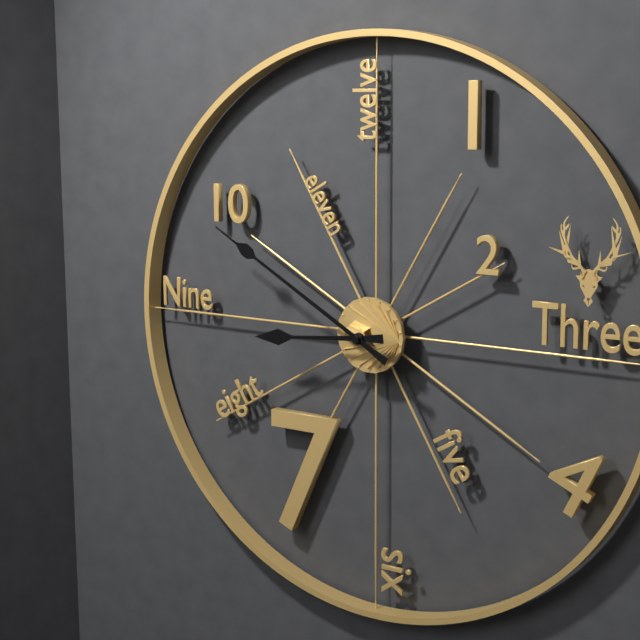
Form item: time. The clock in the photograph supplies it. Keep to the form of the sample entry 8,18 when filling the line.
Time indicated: 8,50
